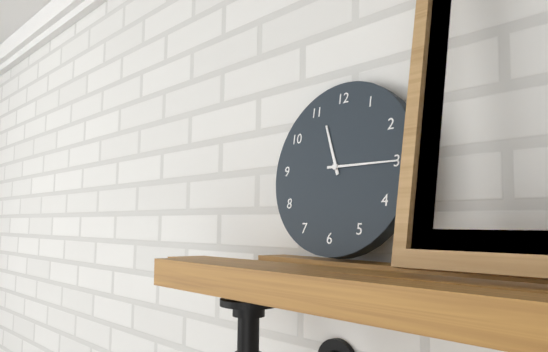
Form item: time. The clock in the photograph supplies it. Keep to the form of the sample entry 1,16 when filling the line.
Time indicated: 11,15
